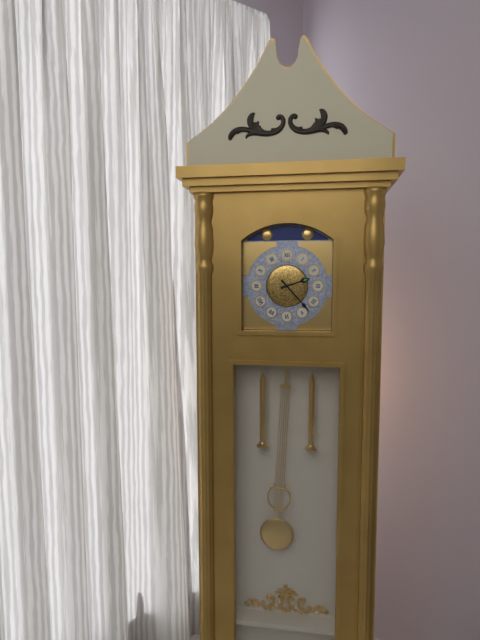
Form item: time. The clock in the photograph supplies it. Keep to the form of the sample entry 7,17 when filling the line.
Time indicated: 2,23
